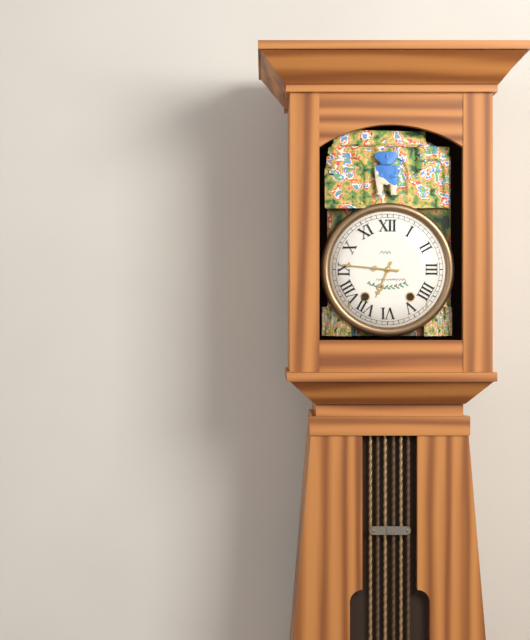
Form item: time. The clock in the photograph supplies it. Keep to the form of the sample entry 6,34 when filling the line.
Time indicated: 6,46
